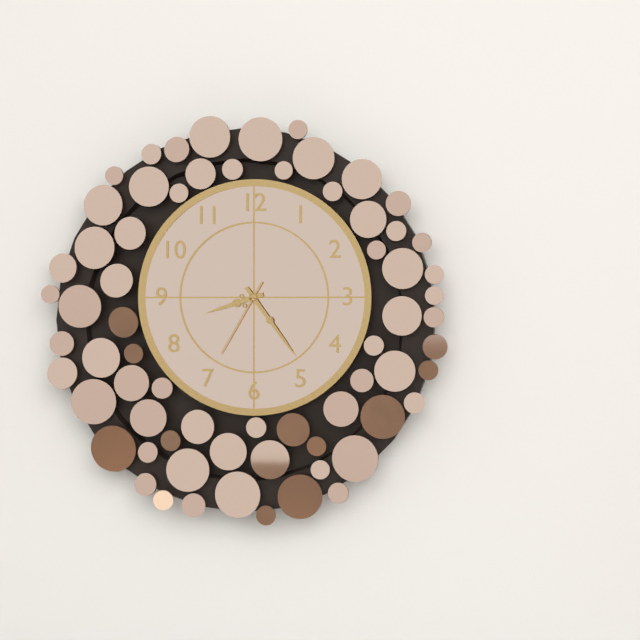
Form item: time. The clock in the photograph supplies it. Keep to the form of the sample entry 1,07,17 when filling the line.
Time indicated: 8,24,35
